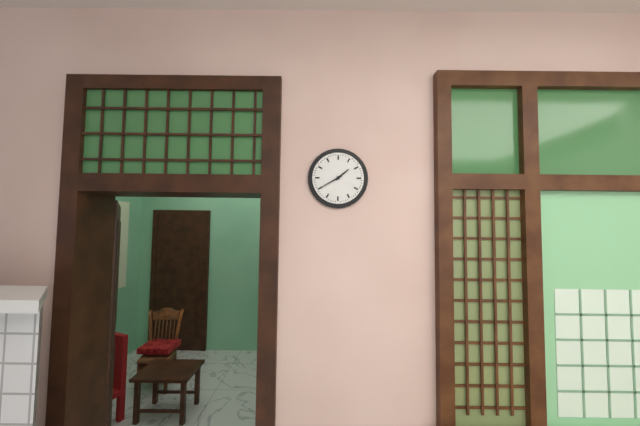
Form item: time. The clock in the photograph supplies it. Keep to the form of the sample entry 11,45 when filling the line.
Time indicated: 1,40
